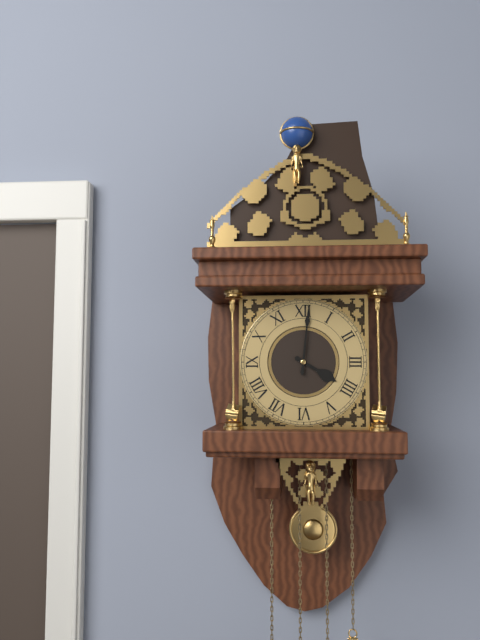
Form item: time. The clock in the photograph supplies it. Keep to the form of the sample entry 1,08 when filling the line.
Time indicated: 4,01
